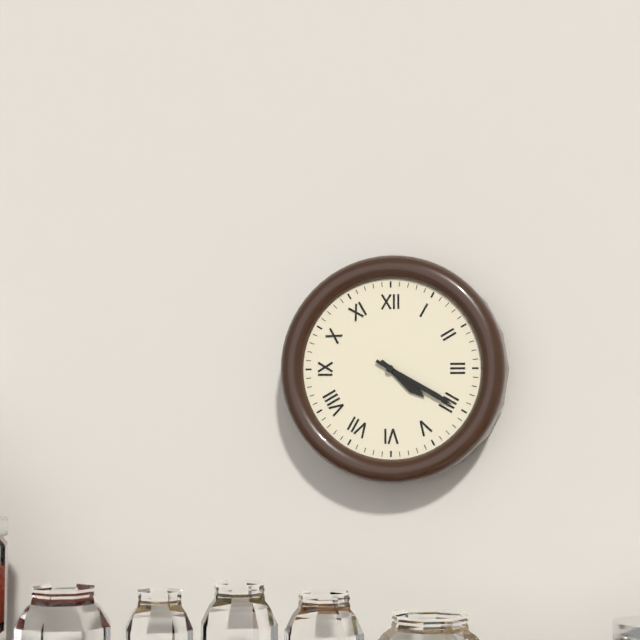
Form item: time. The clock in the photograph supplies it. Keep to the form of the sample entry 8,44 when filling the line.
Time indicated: 4,20
